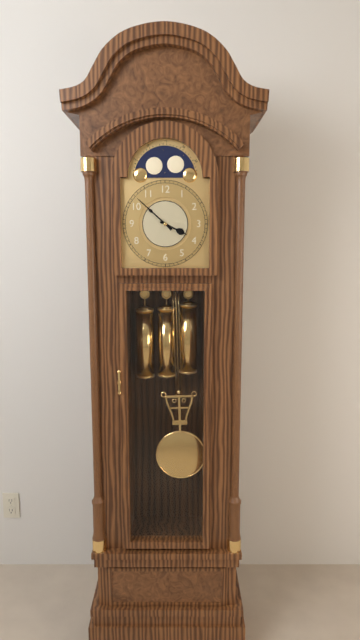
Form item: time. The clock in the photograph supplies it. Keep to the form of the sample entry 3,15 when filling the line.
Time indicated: 3,52
